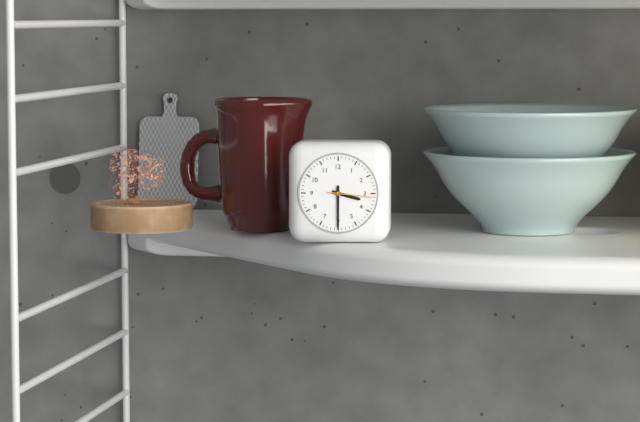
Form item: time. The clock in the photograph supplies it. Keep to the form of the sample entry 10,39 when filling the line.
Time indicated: 3,30
